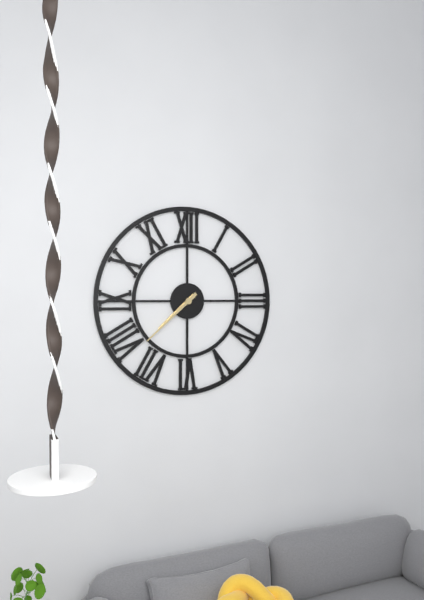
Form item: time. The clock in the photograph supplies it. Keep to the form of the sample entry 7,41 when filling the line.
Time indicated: 7,38
